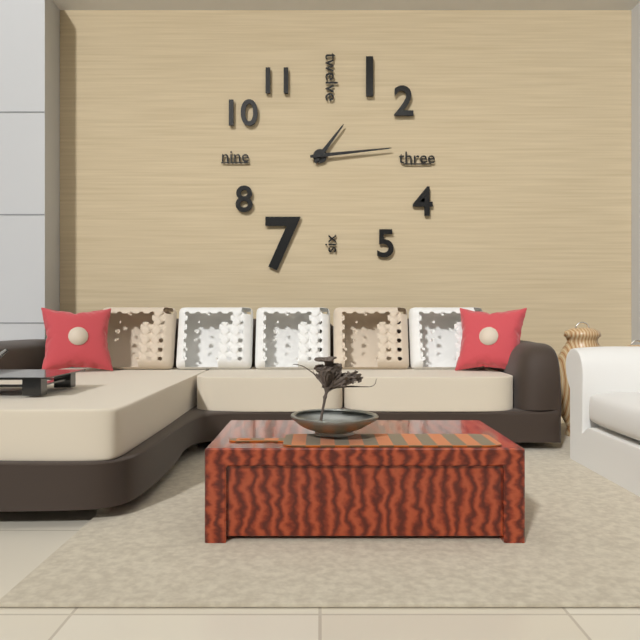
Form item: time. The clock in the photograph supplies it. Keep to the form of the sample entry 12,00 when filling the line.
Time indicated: 1,14
